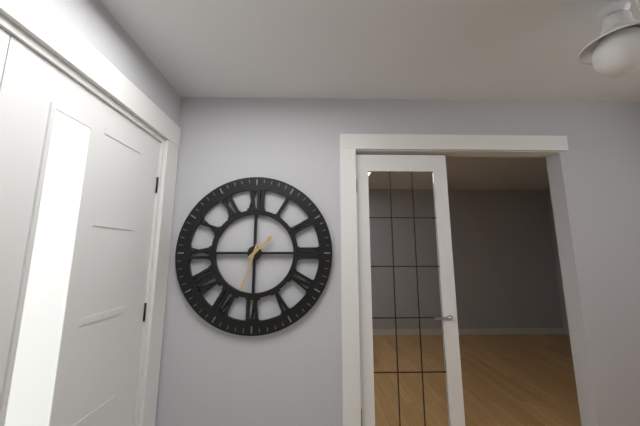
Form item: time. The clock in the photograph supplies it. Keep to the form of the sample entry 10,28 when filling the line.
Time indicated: 1,33
